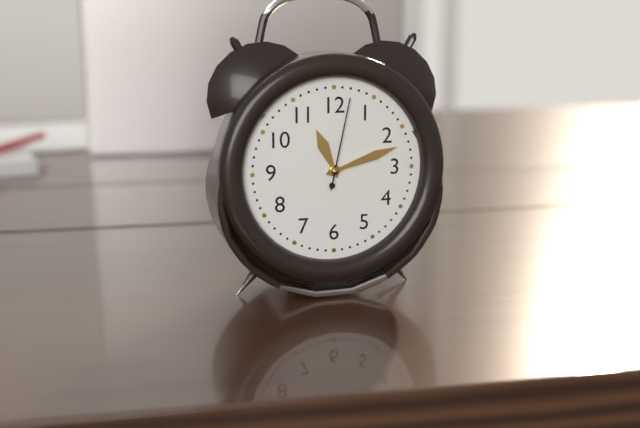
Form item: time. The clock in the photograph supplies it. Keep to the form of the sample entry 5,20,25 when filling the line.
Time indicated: 11,12,02
